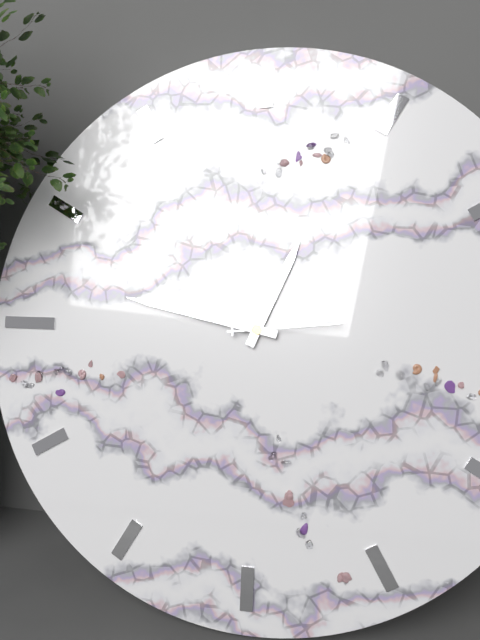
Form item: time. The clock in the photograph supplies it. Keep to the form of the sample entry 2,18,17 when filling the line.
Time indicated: 12,47,14
